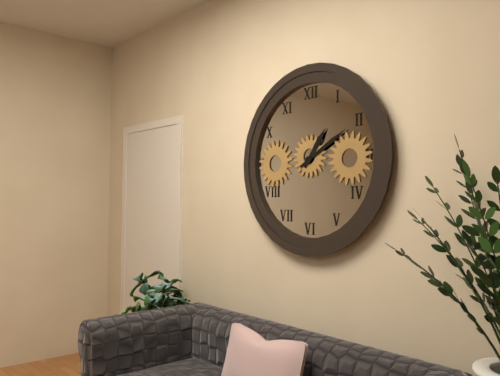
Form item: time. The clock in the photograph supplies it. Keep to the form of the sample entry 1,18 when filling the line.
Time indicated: 1,10
